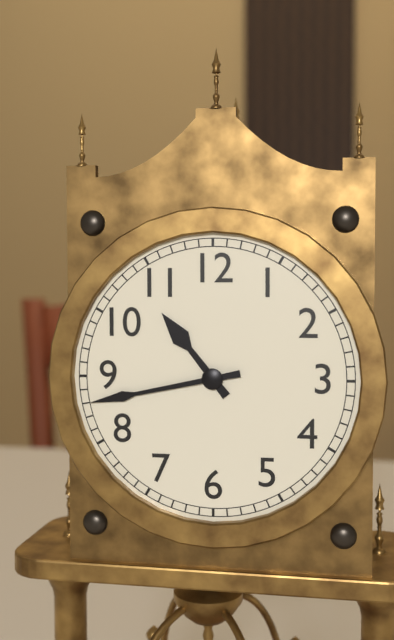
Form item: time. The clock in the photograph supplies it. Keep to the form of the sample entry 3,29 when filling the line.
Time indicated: 10,43
